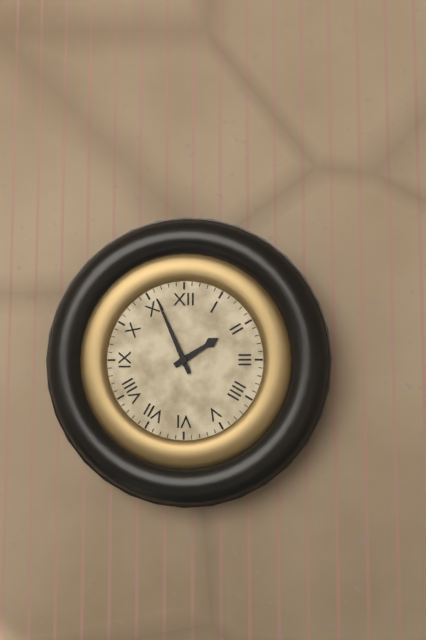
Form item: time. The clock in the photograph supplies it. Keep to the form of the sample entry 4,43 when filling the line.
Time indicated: 1,56
